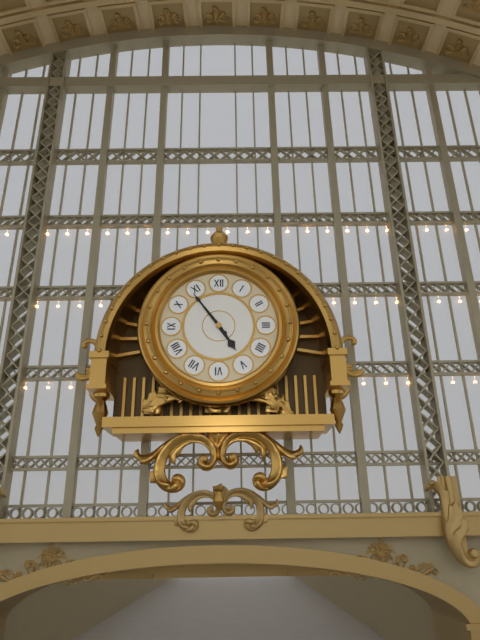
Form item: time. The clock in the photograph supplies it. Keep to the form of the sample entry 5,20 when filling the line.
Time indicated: 4,54
